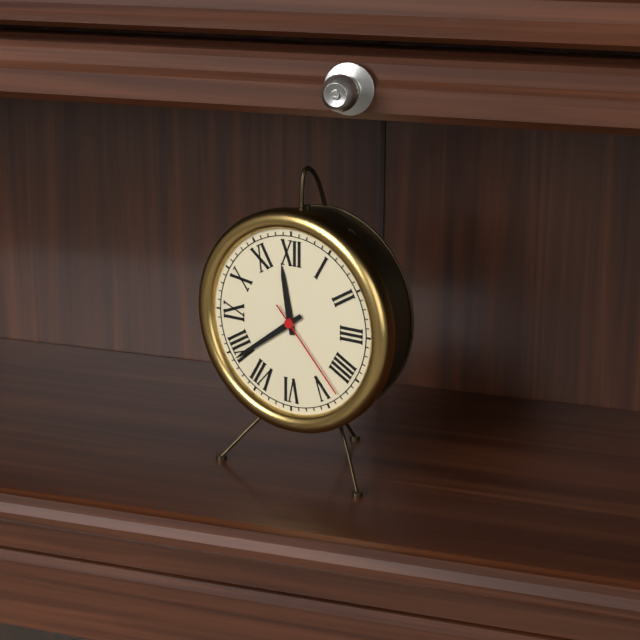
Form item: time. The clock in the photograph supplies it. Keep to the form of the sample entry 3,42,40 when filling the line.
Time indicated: 11,39,23
